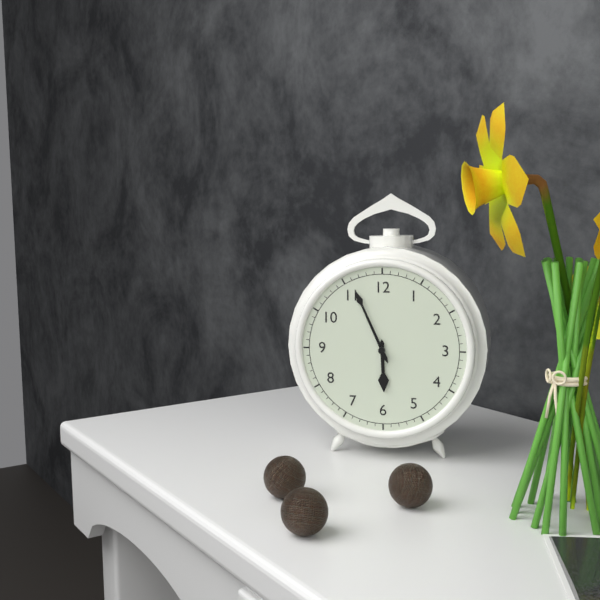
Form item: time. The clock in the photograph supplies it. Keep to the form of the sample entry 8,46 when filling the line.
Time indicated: 5,56
